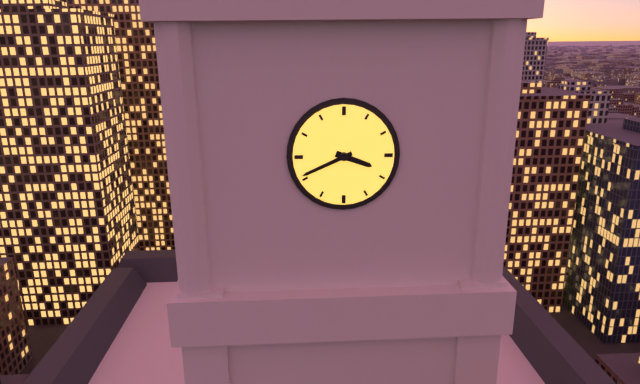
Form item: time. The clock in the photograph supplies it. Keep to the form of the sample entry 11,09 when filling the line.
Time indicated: 3,41
